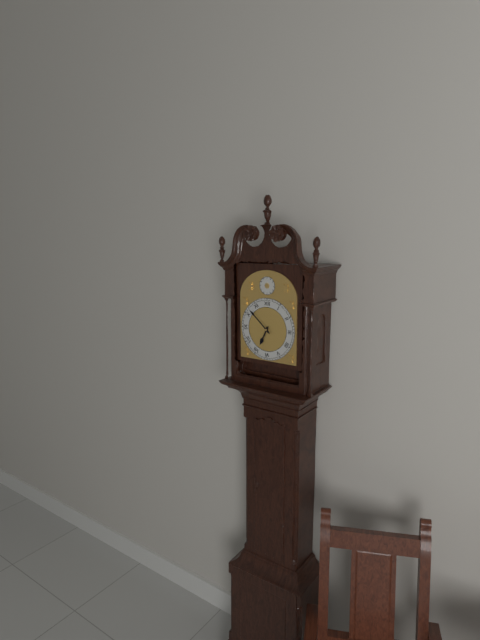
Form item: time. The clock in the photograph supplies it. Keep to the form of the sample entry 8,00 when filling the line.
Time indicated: 6,52
